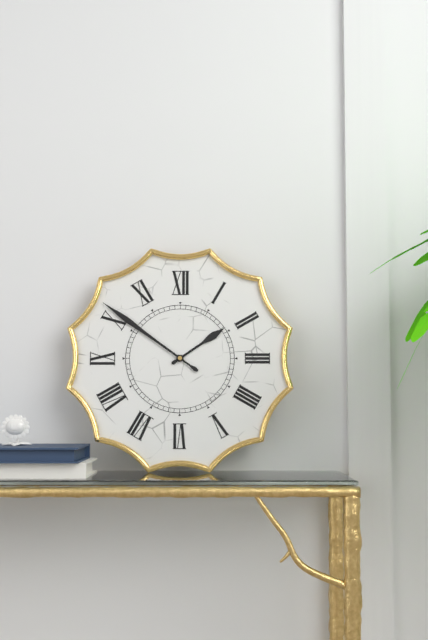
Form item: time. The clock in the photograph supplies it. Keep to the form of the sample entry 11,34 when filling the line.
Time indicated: 1,51
